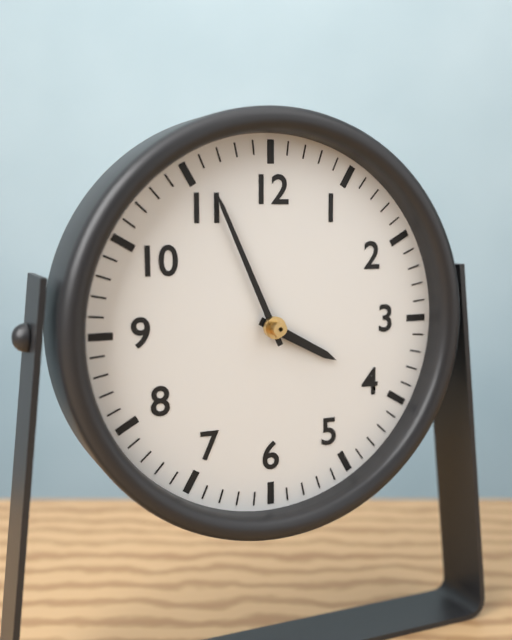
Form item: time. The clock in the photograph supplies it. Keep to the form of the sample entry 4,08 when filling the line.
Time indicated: 3,56
